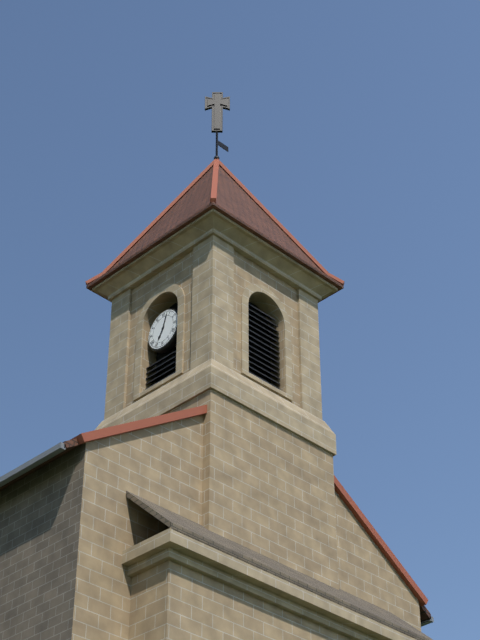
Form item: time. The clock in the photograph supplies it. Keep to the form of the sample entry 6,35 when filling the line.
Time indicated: 7,03
